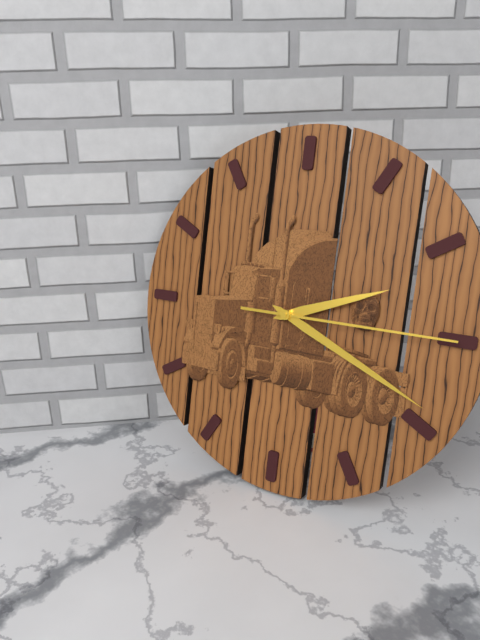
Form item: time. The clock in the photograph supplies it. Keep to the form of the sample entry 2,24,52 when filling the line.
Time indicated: 2,19,15
